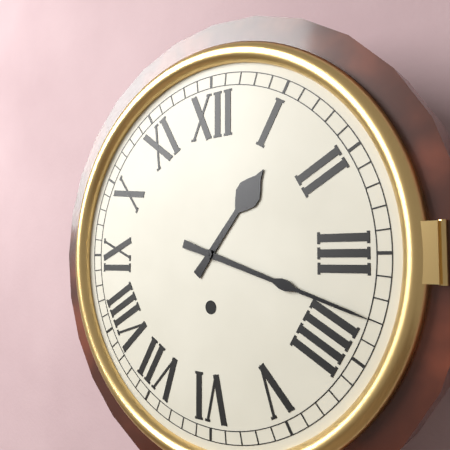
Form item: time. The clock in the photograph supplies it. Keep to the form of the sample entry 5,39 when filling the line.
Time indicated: 1,18
